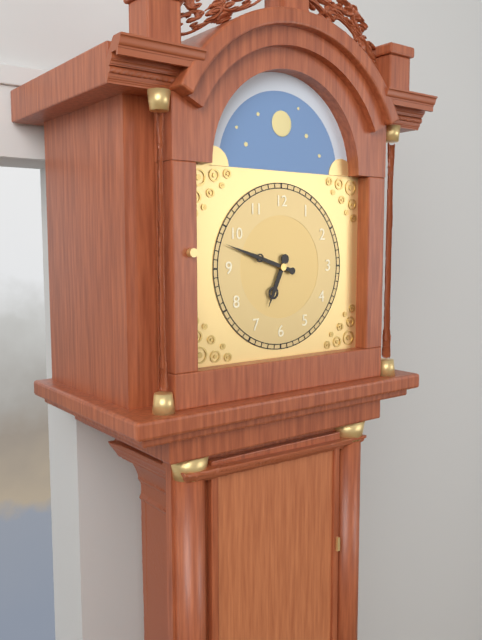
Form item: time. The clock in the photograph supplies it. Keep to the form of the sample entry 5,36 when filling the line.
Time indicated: 6,48
